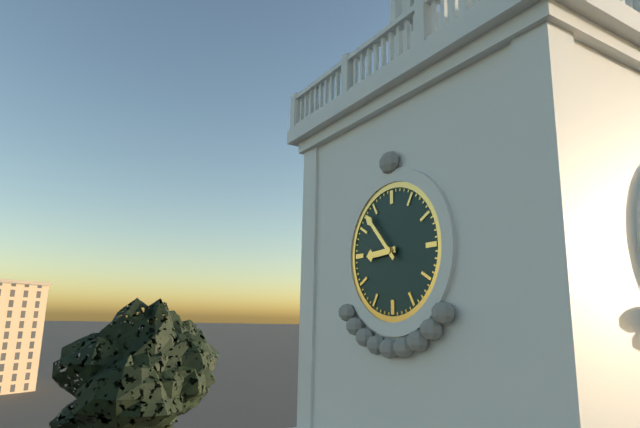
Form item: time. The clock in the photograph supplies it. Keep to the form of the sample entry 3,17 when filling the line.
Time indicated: 8,53
